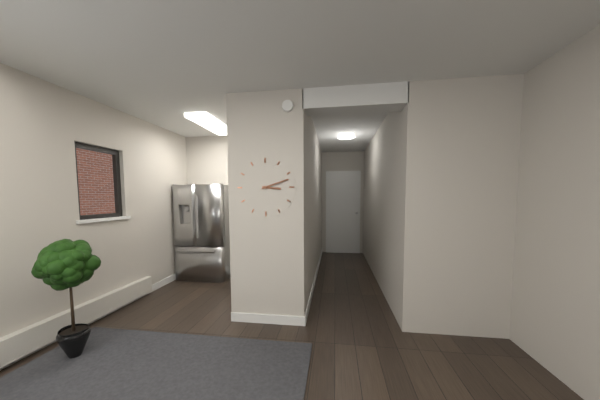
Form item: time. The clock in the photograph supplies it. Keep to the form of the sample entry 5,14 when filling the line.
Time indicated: 3,12
